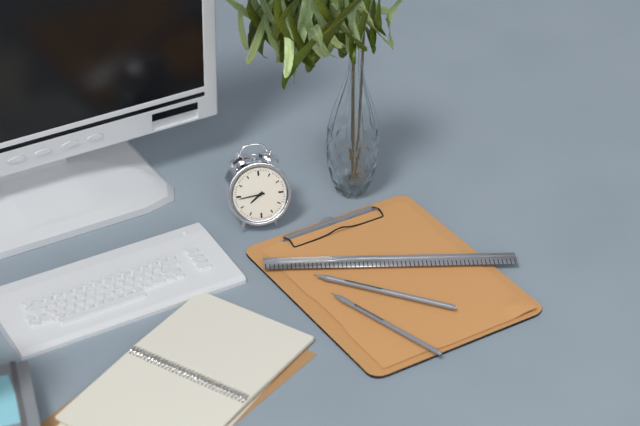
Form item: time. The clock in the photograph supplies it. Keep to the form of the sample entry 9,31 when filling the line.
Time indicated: 7,44
